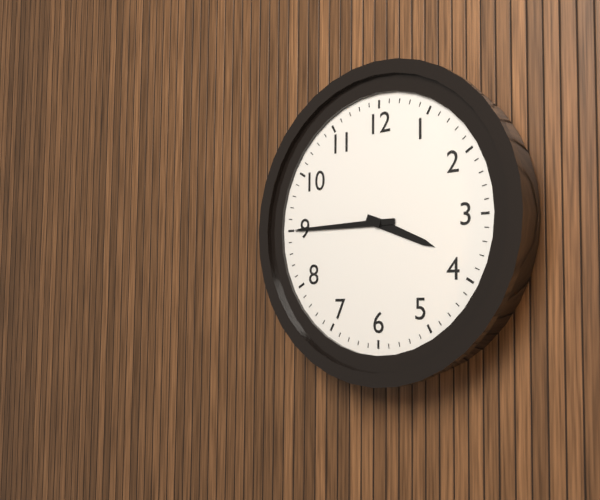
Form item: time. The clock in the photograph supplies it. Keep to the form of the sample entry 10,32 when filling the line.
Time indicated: 3,45
